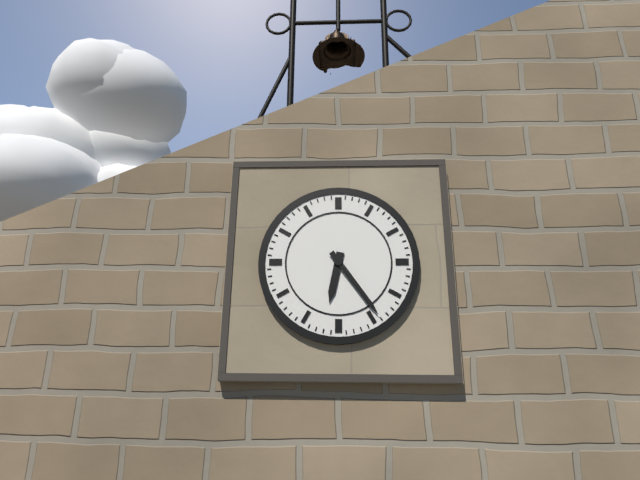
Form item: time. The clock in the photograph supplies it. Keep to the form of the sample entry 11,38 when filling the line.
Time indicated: 6,24
